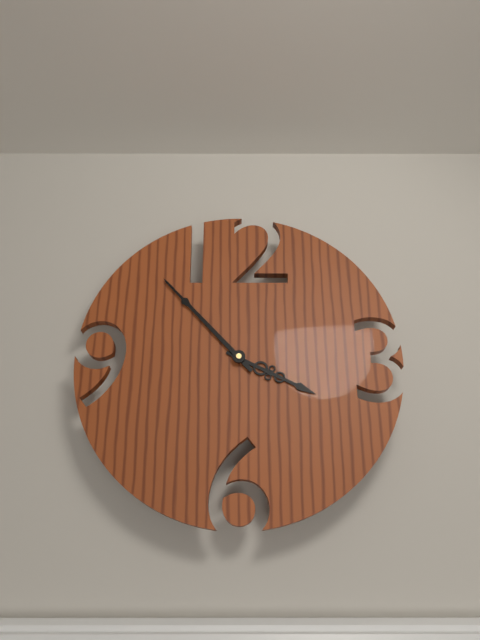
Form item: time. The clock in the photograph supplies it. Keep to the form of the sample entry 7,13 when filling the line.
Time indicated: 3,53
